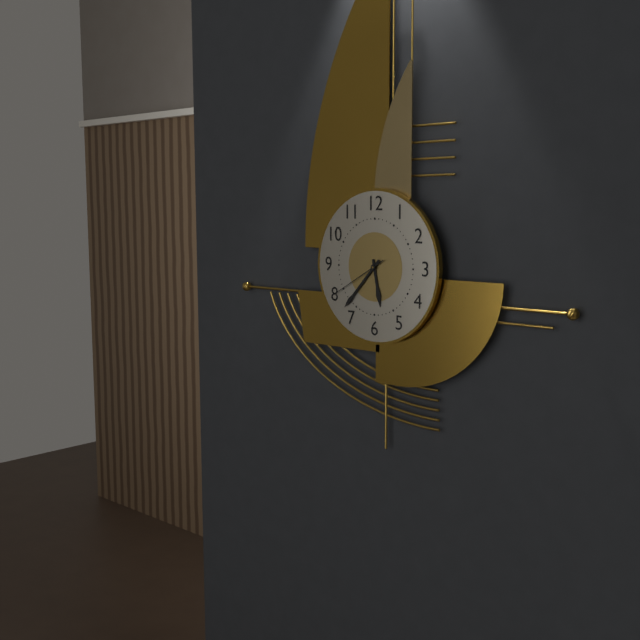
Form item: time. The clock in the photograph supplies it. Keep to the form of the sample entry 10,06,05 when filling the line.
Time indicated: 5,37,40
